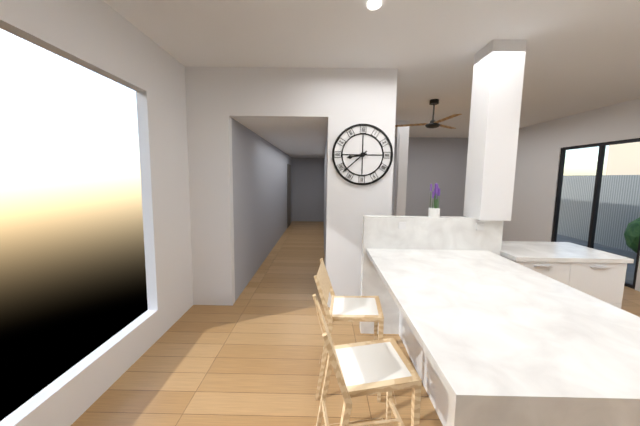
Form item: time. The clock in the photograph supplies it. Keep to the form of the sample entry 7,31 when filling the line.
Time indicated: 8,38
